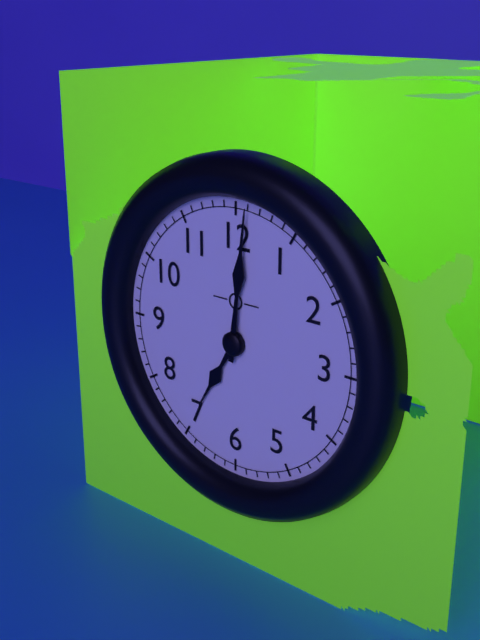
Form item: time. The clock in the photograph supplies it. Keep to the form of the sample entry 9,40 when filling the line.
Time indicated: 7,01
